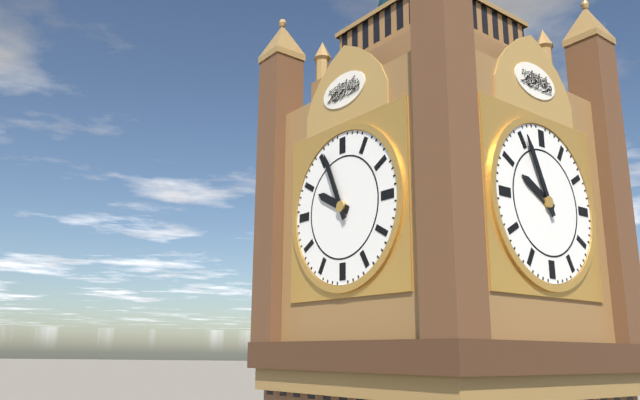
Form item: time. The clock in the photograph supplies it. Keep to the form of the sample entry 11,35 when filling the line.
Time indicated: 9,56
